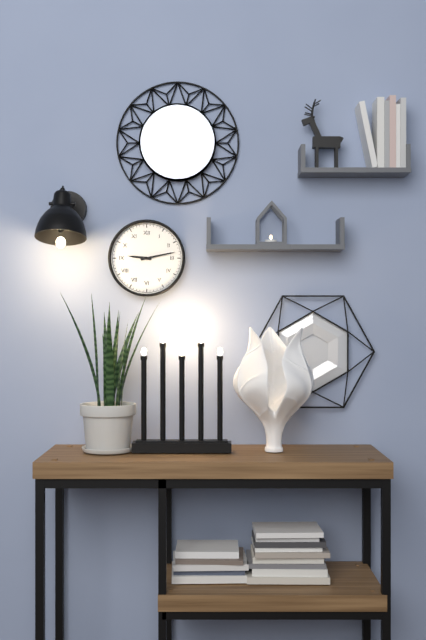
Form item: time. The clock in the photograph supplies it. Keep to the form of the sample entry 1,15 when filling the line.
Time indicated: 9,13
